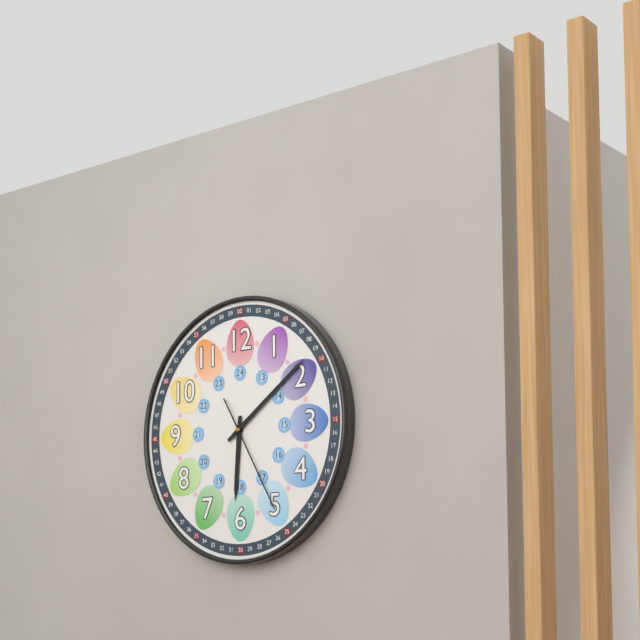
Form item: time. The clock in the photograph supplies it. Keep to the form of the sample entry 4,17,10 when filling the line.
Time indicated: 6,09,25
